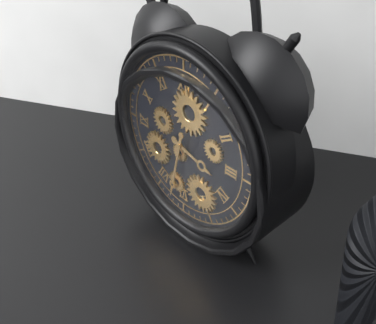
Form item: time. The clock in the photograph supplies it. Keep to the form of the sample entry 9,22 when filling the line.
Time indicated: 3,32
